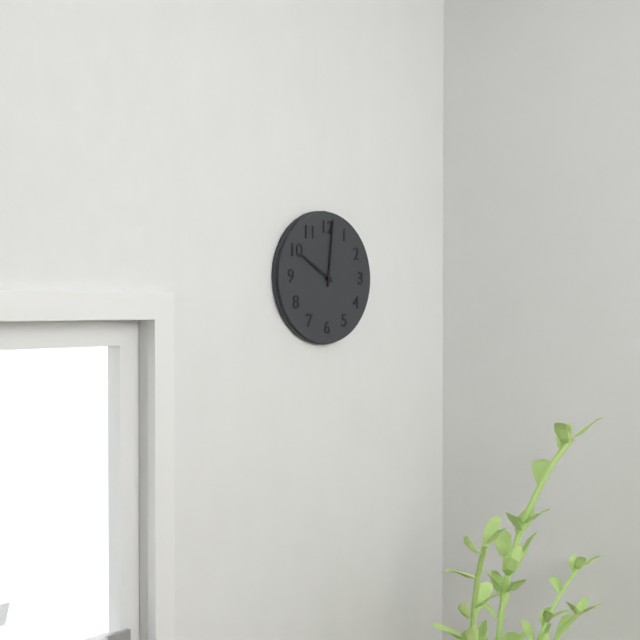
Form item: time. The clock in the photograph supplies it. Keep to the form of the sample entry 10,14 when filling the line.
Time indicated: 10,01
